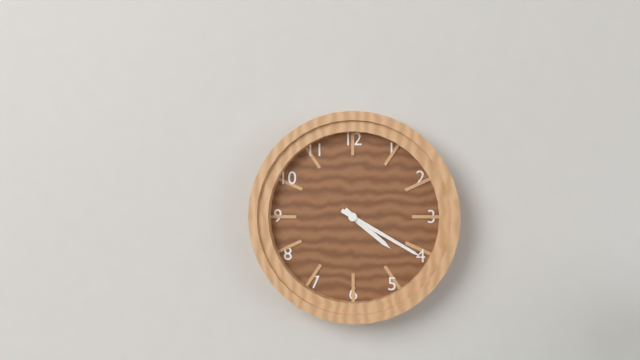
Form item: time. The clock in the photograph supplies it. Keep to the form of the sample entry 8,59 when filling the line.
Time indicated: 4,20
